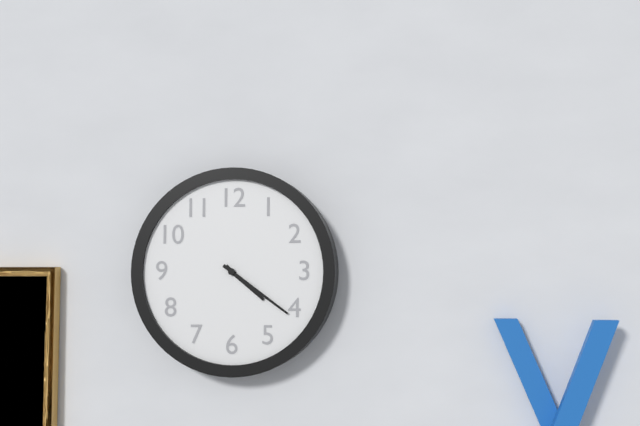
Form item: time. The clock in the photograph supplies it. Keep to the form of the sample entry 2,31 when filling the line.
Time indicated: 4,21
